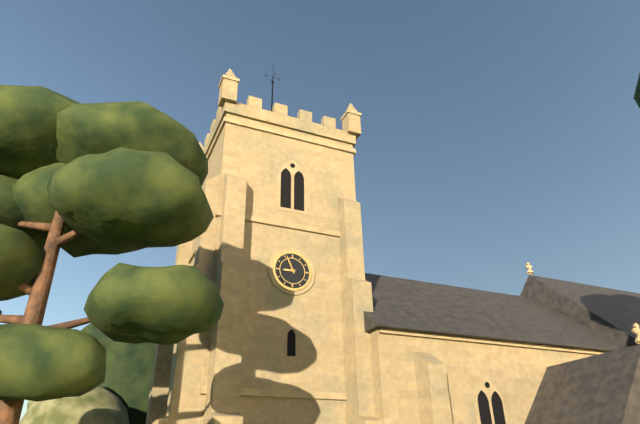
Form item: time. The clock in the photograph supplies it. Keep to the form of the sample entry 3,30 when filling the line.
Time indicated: 8,56
